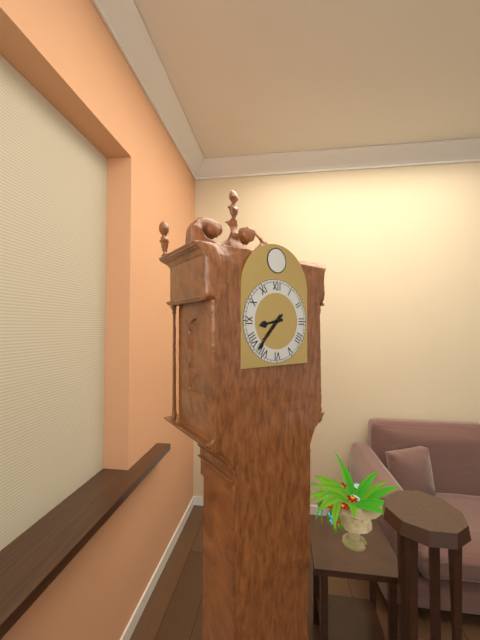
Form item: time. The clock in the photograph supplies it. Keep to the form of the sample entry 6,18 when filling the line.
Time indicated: 8,37
